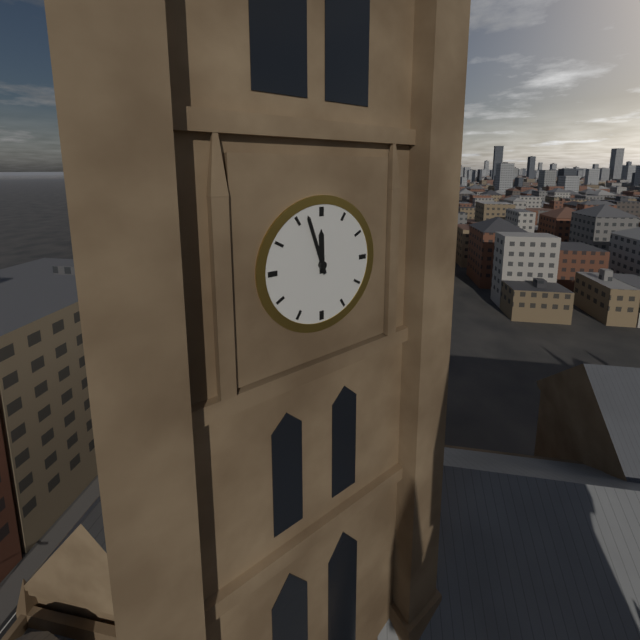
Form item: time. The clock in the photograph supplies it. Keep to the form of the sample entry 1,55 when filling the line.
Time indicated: 11,57
